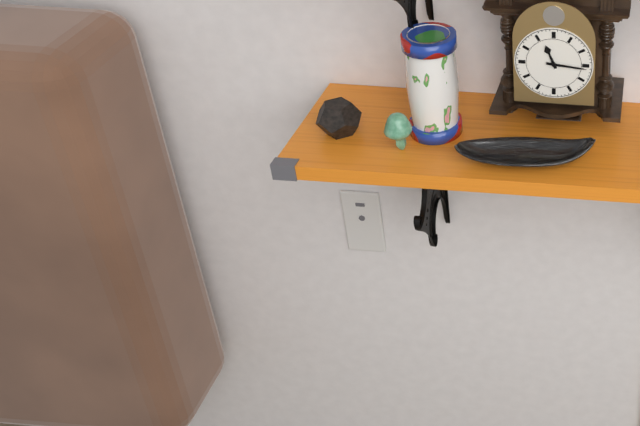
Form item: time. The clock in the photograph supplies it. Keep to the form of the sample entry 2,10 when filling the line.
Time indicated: 11,16
